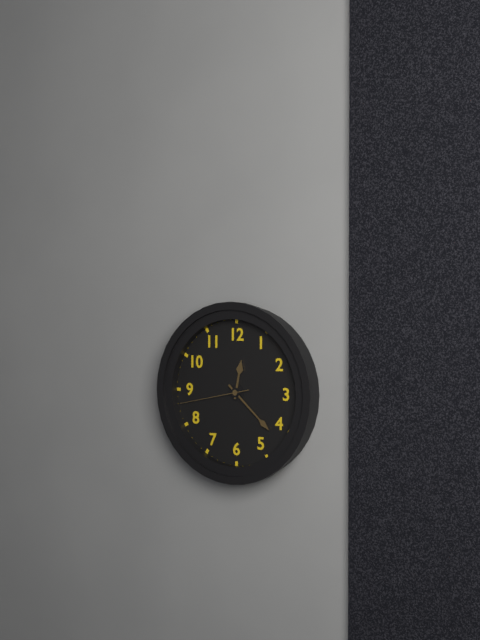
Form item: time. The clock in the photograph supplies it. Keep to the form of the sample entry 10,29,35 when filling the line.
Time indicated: 12,22,43
